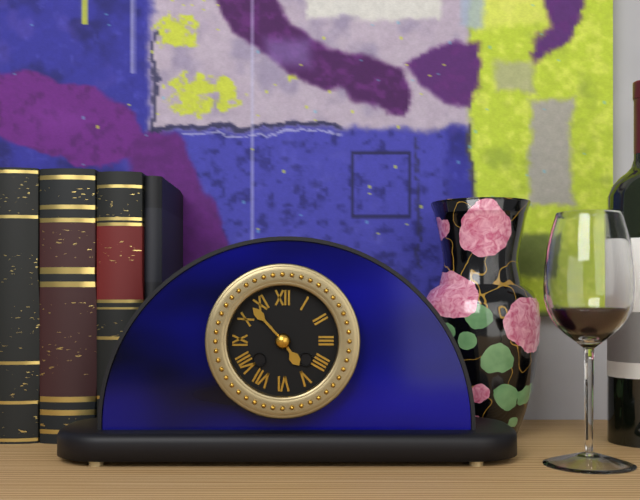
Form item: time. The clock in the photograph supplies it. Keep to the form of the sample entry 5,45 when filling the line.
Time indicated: 4,53
